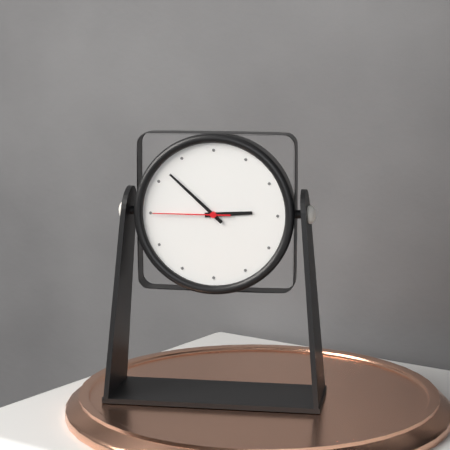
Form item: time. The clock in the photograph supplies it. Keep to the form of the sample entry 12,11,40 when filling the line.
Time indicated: 2,52,45
